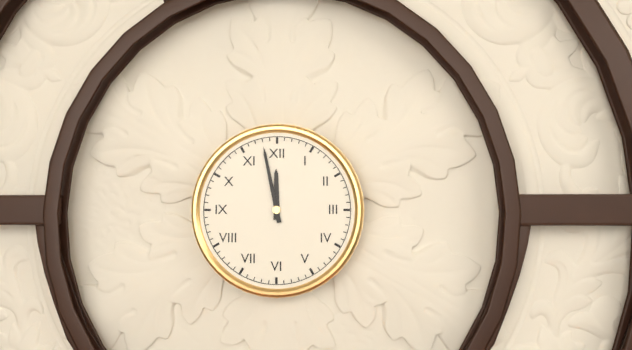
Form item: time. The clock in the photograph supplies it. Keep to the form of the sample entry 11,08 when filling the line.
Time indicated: 11,58
